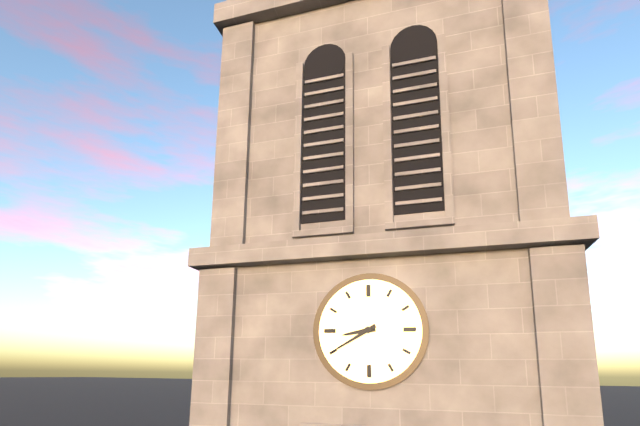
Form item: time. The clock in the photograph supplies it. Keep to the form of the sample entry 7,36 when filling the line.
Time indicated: 8,40
